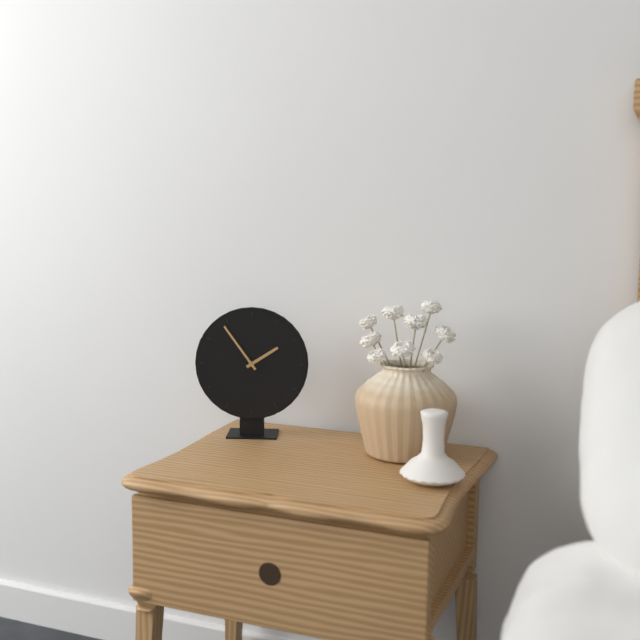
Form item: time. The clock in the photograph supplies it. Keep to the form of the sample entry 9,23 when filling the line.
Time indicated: 1,54
